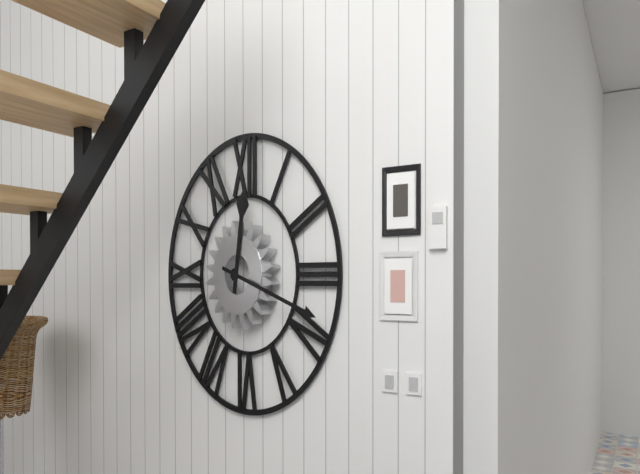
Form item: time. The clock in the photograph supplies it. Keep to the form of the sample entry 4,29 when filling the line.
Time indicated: 12,18
